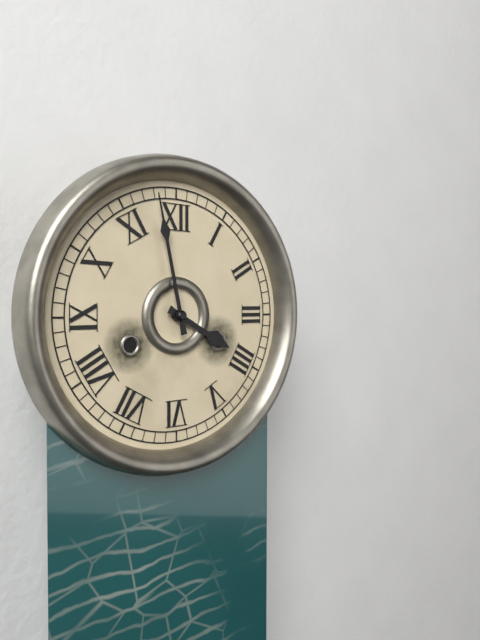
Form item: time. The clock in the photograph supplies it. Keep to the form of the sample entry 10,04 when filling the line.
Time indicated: 3,58
